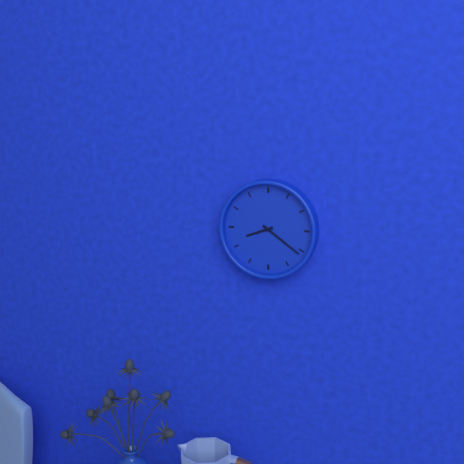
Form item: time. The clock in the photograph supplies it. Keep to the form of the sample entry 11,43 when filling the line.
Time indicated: 8,21
